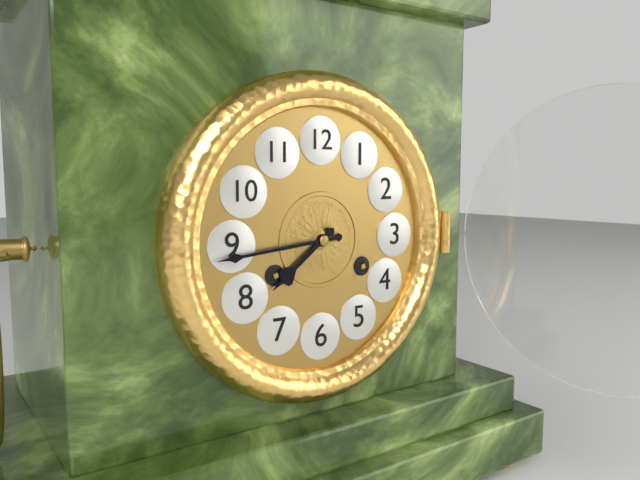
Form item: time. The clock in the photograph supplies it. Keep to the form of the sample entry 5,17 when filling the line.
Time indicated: 7,44
